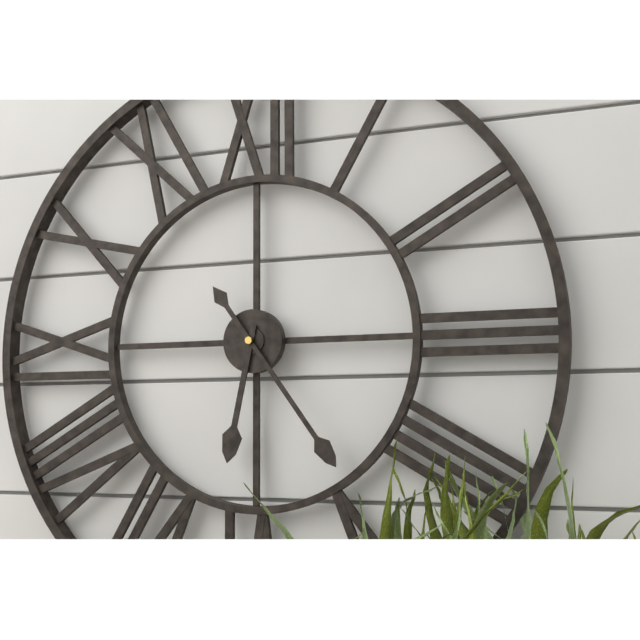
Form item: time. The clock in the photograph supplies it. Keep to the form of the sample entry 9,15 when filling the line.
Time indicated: 6,24
